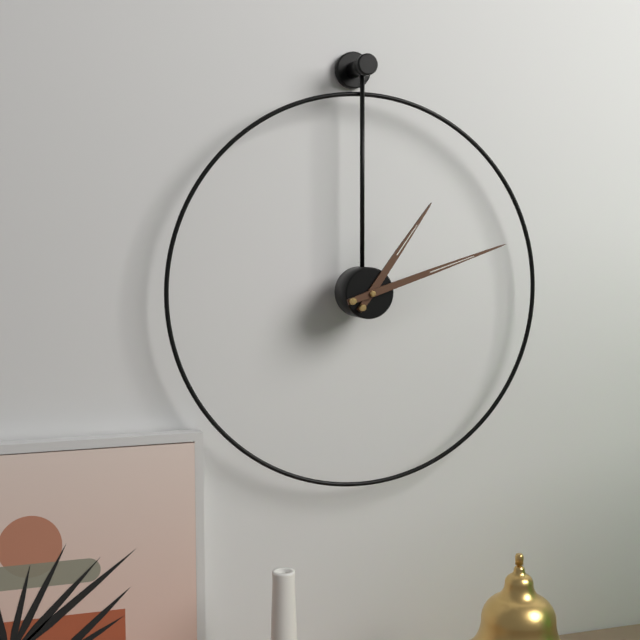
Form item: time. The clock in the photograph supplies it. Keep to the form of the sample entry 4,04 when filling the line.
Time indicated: 1,12
